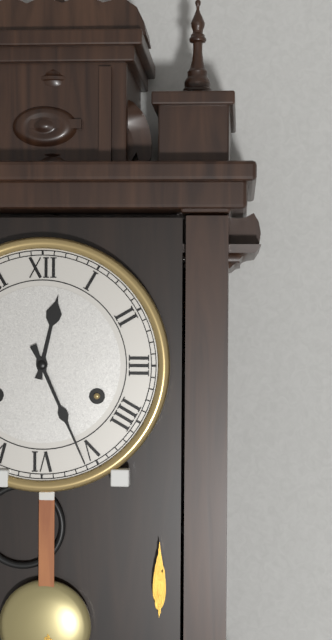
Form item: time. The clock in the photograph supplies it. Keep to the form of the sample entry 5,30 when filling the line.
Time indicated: 12,26
